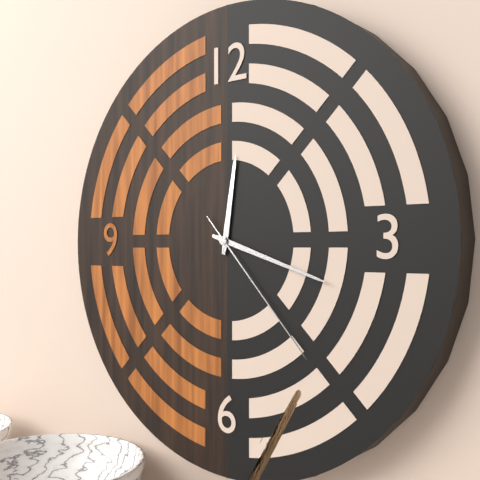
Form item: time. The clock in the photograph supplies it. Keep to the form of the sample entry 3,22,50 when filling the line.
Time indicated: 12,18,23
